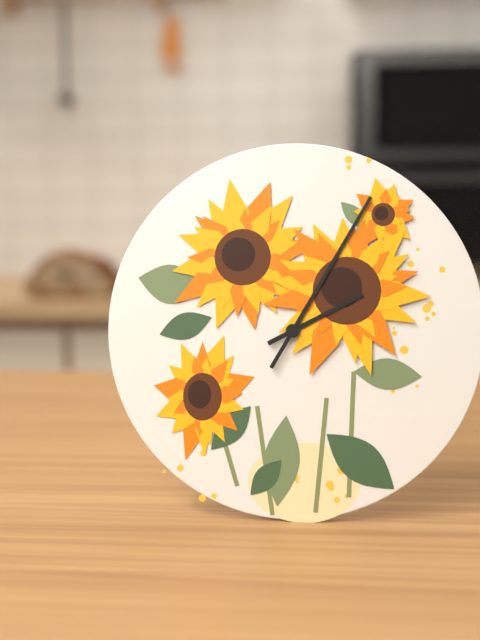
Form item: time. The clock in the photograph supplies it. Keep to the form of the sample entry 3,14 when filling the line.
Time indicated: 2,05
